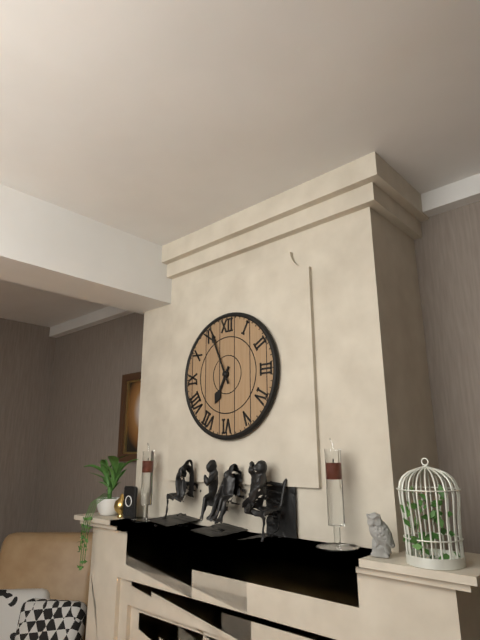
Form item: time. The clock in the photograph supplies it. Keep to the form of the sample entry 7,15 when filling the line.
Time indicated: 6,56
